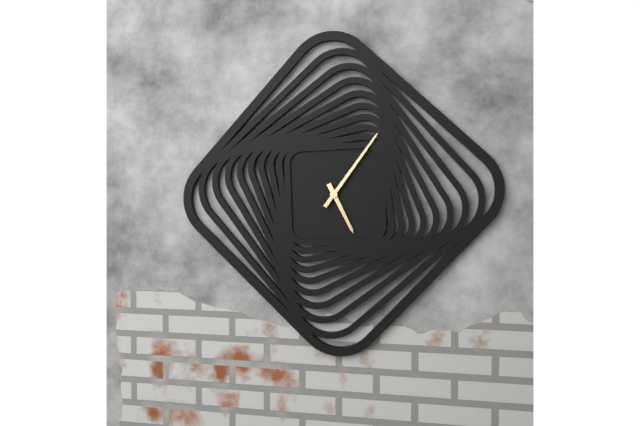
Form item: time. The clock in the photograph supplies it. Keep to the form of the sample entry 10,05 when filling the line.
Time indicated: 5,06
